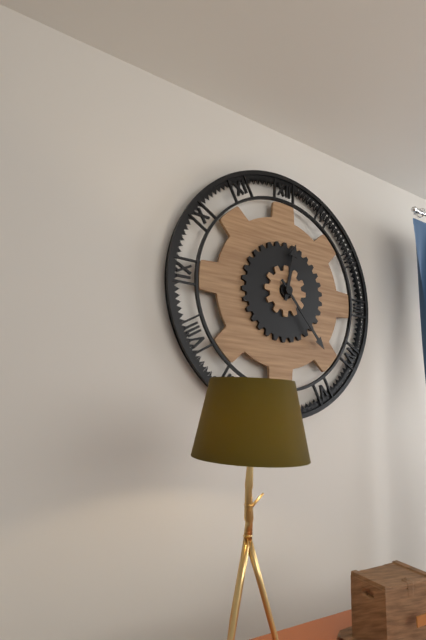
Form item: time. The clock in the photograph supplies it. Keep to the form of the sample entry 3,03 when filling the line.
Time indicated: 12,23
